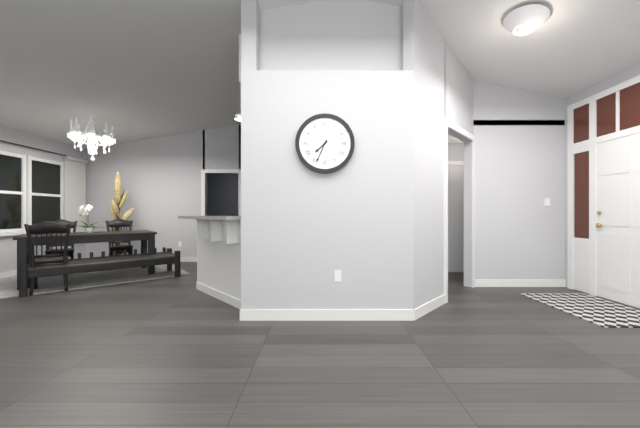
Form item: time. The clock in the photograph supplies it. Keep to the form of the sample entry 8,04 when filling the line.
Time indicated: 7,34
